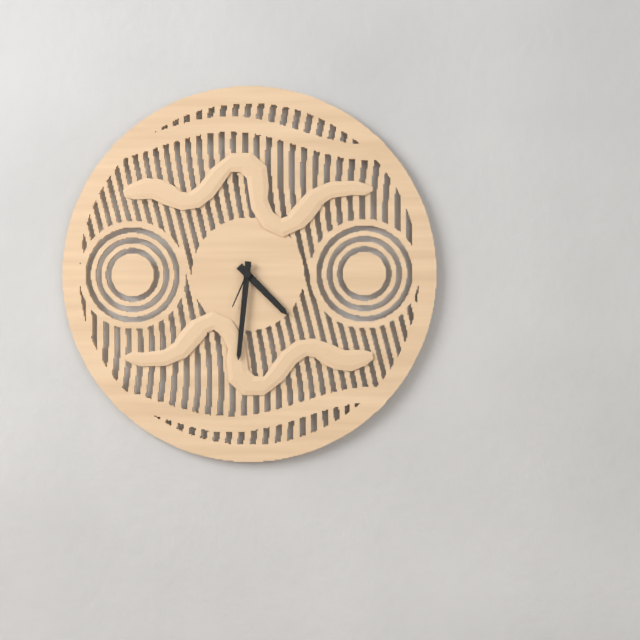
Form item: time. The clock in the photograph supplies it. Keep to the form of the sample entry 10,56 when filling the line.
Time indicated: 4,31
